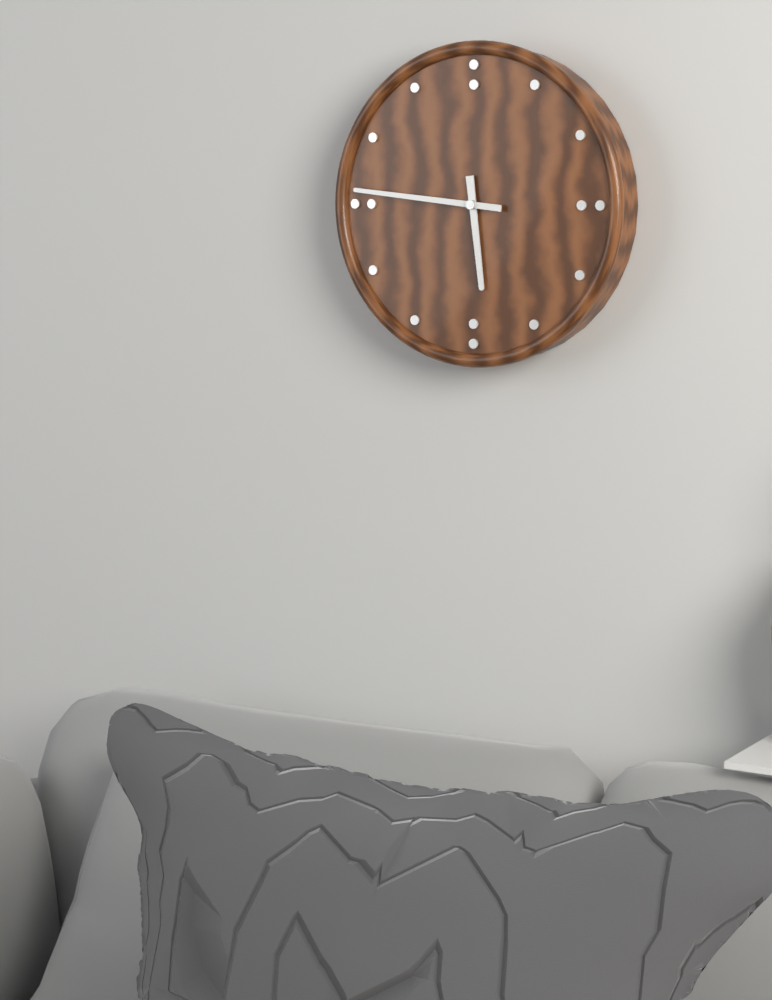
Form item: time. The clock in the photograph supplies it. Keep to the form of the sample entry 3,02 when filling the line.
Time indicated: 5,46
